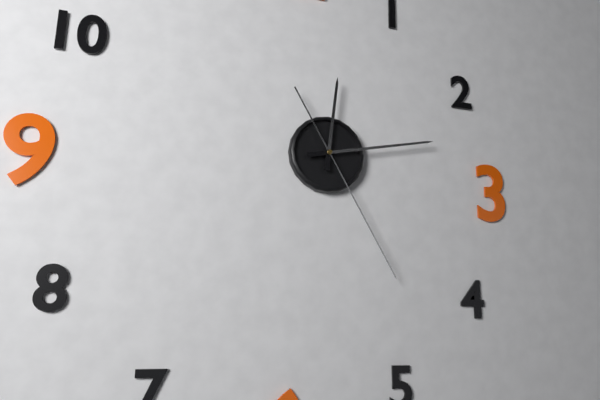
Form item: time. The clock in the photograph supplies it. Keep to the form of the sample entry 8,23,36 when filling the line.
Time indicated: 12,13,25
